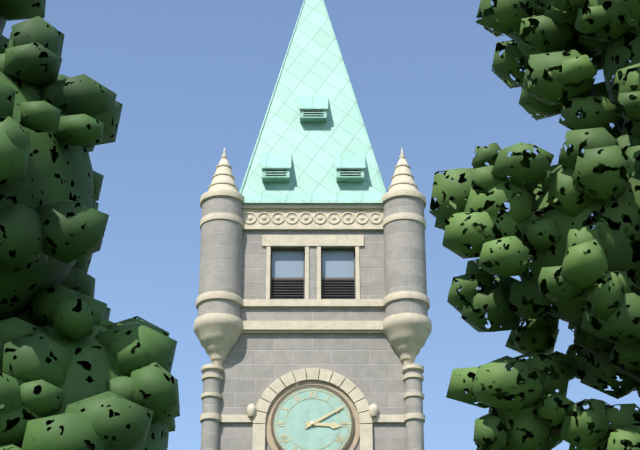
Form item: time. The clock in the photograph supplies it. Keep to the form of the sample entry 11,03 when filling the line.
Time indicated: 3,10
